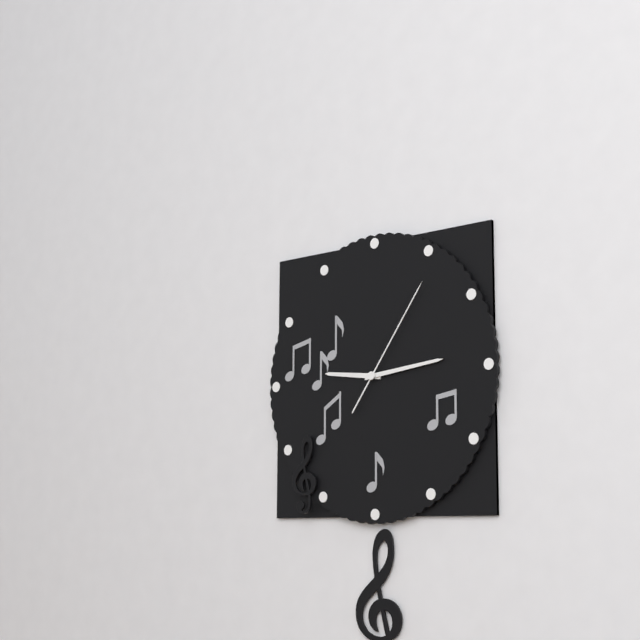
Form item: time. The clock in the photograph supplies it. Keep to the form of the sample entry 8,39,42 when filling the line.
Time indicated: 9,14,06
